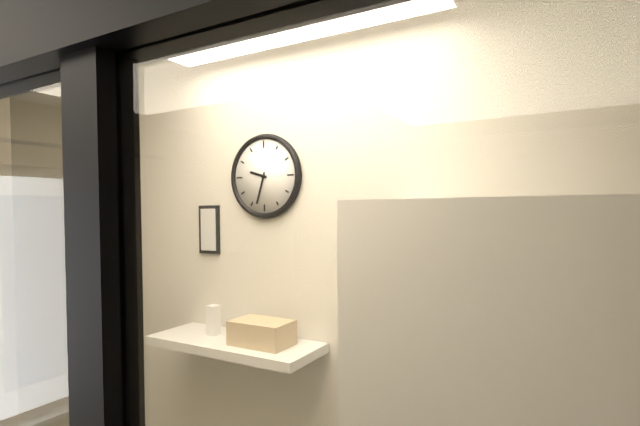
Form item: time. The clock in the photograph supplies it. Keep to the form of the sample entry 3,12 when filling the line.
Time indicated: 9,33
